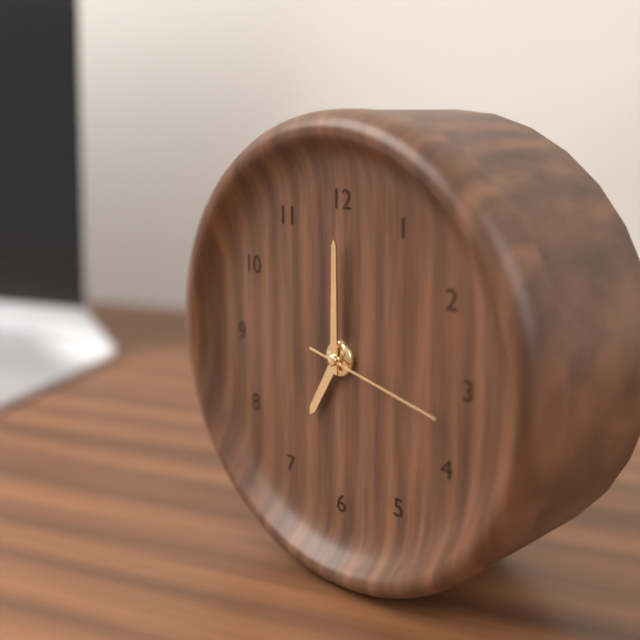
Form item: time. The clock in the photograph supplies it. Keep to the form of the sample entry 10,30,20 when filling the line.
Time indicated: 7,00,17
